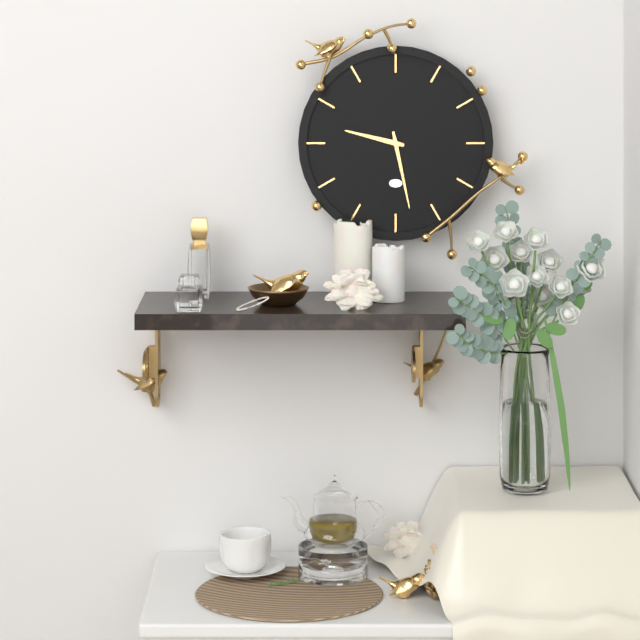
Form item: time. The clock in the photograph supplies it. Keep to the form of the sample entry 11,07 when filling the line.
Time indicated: 9,28
